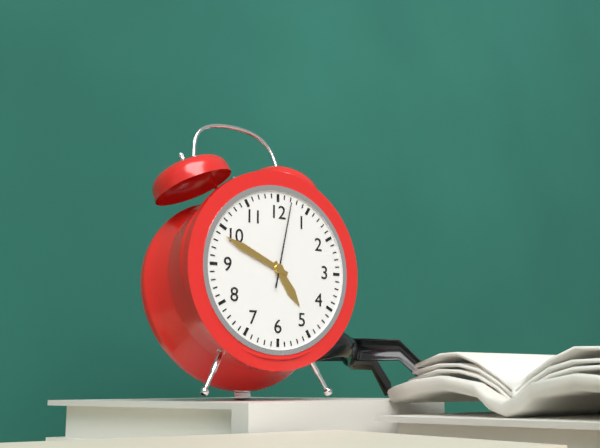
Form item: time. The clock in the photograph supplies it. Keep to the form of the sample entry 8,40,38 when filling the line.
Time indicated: 4,49,02
